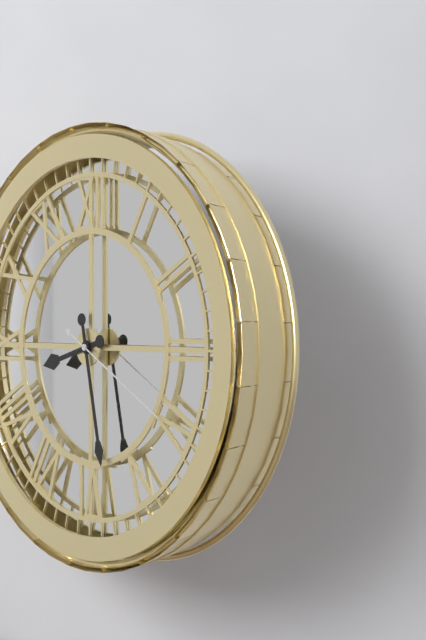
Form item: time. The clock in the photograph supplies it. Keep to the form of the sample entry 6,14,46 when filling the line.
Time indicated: 8,28,20
